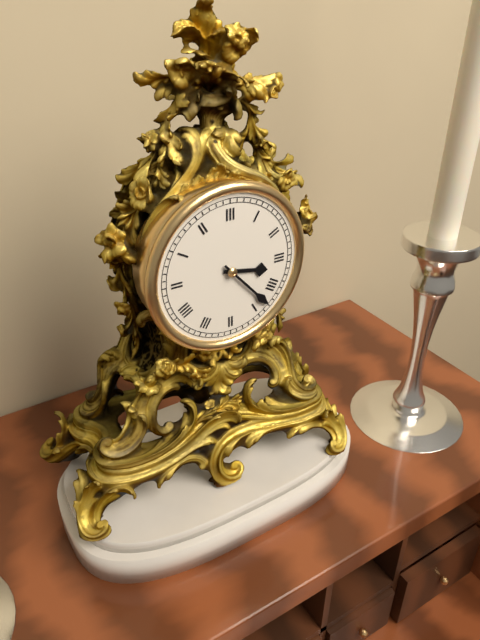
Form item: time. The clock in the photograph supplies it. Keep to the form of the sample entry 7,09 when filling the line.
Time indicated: 3,23
